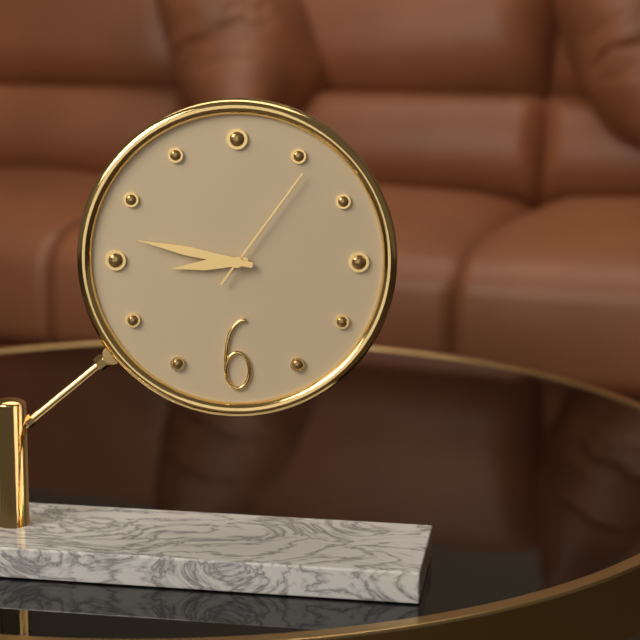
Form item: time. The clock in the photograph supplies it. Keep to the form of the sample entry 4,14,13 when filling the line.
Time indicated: 8,47,06
